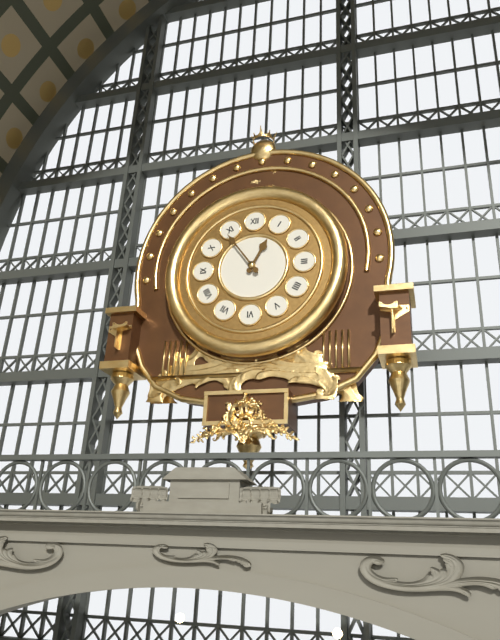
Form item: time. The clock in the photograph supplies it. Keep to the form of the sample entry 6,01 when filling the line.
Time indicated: 12,54
